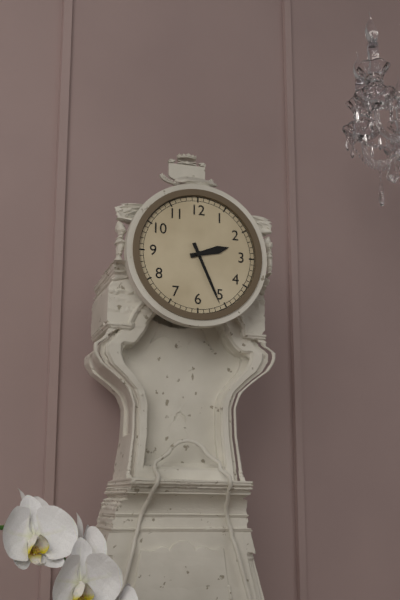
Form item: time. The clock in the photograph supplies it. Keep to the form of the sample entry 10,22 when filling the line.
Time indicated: 2,26
